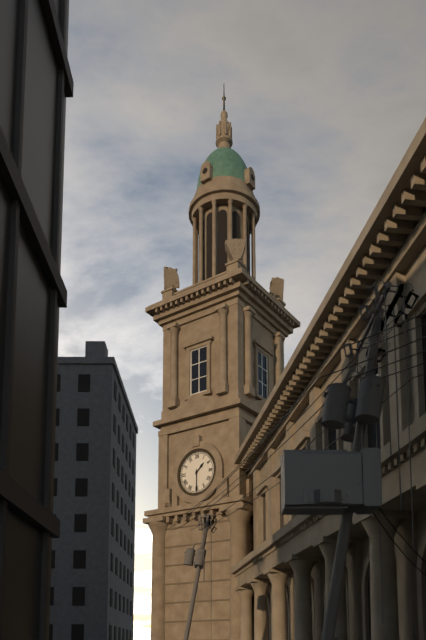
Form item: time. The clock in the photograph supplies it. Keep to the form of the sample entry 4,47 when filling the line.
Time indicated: 1,30
